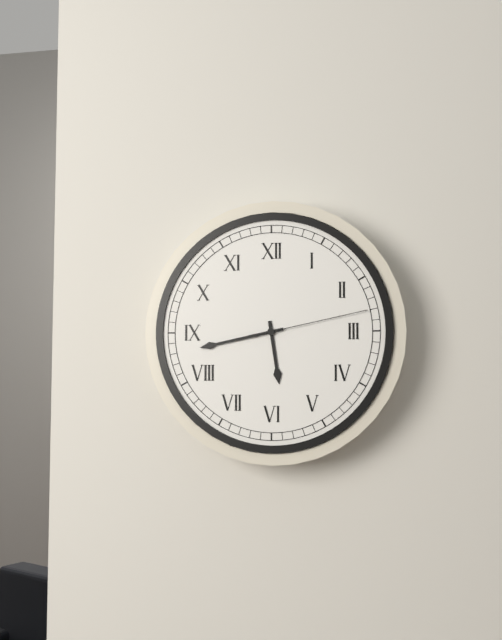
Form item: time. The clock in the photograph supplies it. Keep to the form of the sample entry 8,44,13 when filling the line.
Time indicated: 5,43,13
